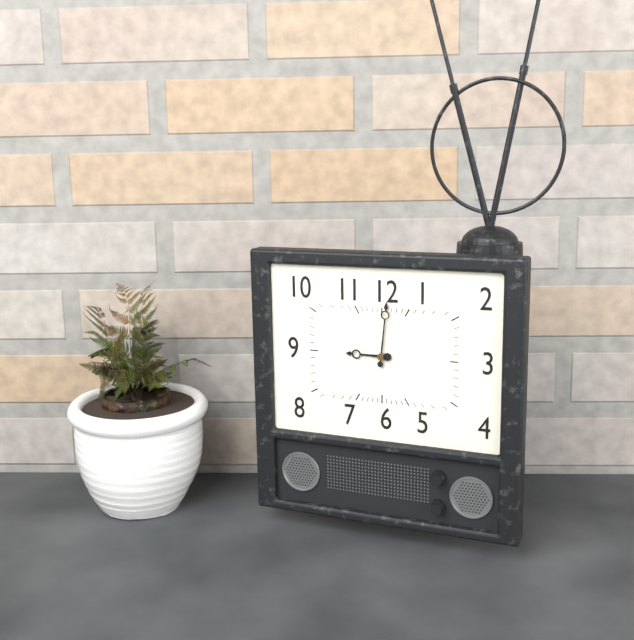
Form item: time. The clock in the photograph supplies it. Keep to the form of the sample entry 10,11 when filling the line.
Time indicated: 9,01
